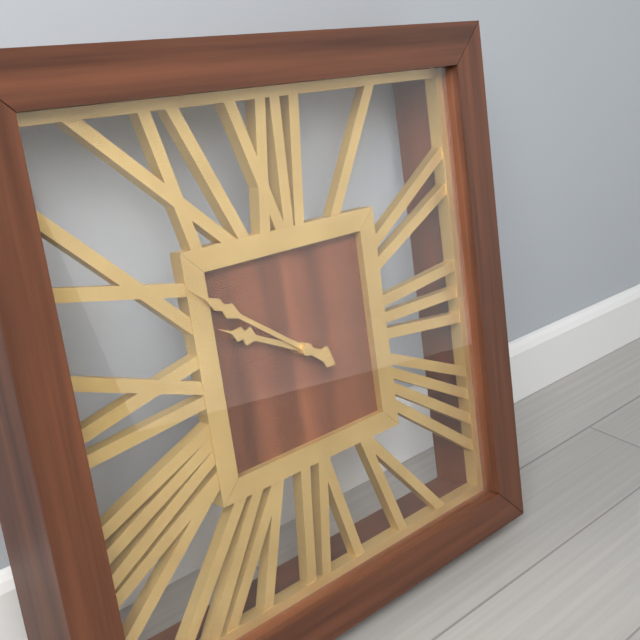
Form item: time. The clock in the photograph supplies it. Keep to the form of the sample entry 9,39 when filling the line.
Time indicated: 9,51
